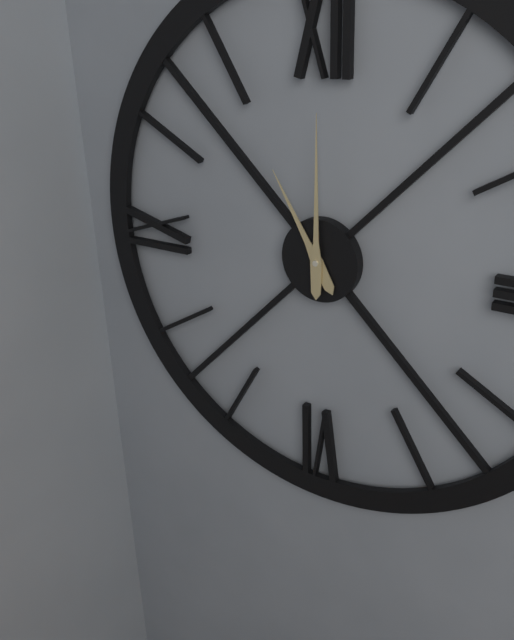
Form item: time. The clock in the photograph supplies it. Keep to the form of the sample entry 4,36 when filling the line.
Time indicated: 11,00
